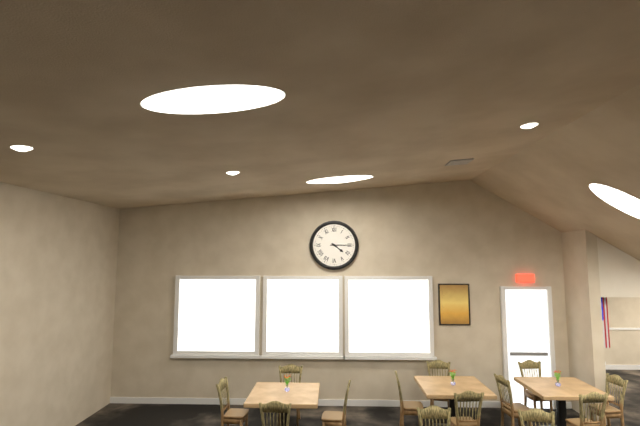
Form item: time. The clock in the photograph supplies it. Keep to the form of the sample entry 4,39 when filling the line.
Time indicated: 4,15
